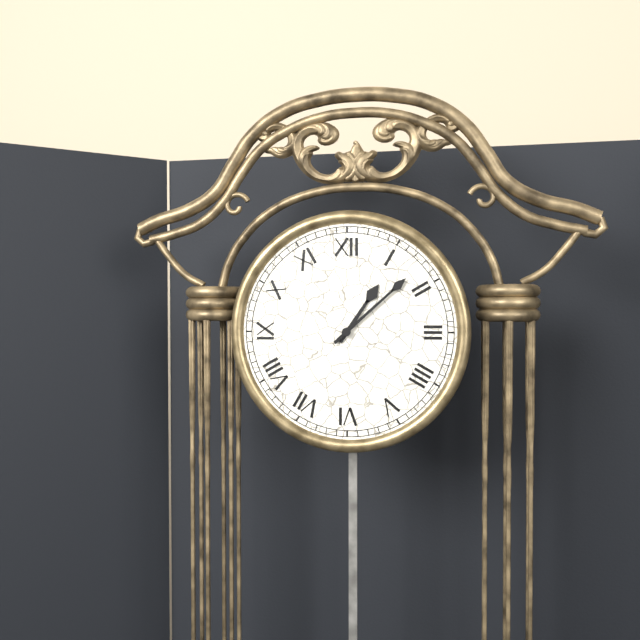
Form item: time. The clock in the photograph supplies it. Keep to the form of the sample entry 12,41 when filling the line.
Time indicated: 1,08
